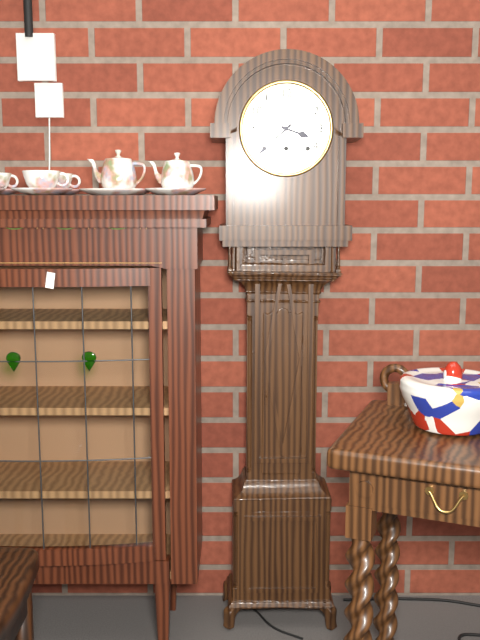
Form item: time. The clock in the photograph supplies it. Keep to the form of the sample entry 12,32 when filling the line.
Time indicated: 3,38
